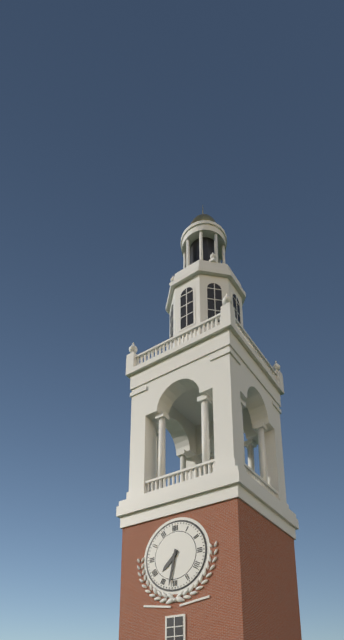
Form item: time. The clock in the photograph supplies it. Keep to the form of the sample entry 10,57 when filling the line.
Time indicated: 7,32
